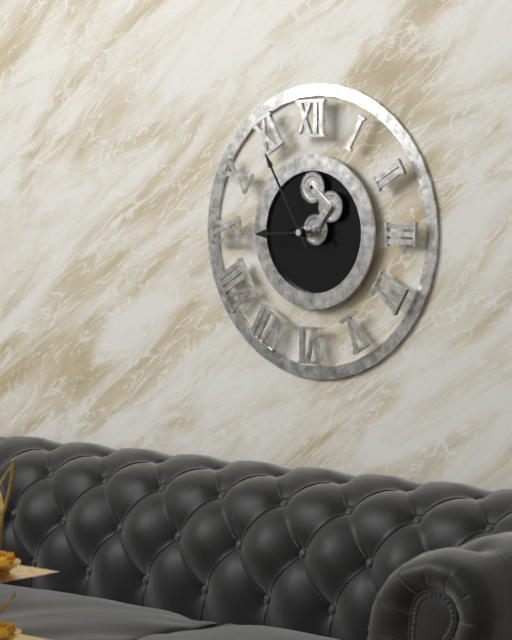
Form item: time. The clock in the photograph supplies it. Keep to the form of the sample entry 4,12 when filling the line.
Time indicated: 8,55
